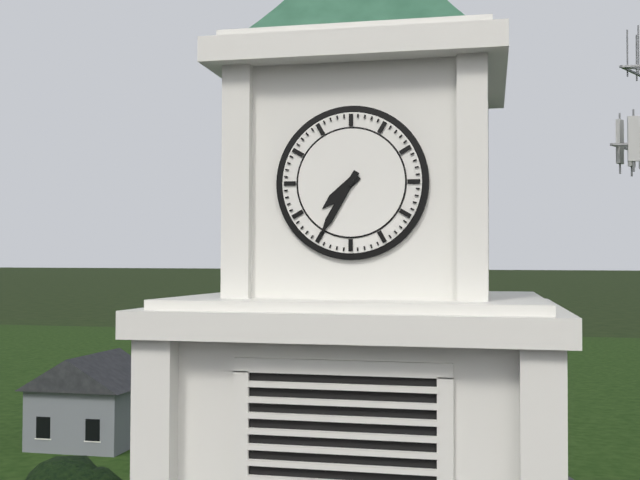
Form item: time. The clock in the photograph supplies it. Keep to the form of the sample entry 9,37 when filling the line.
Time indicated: 7,35
